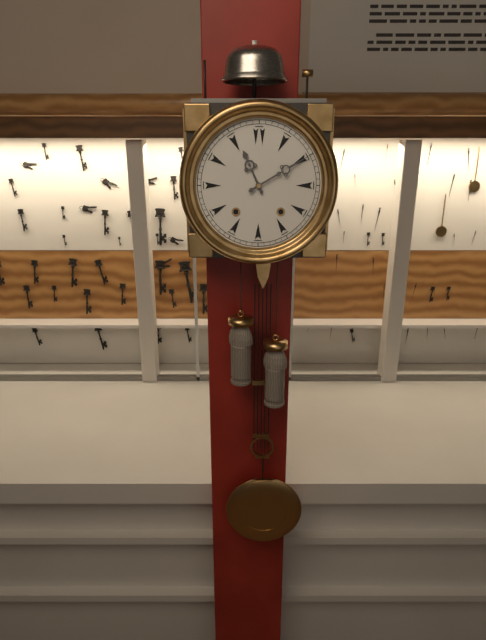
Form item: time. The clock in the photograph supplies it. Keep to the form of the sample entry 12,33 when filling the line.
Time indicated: 11,10
